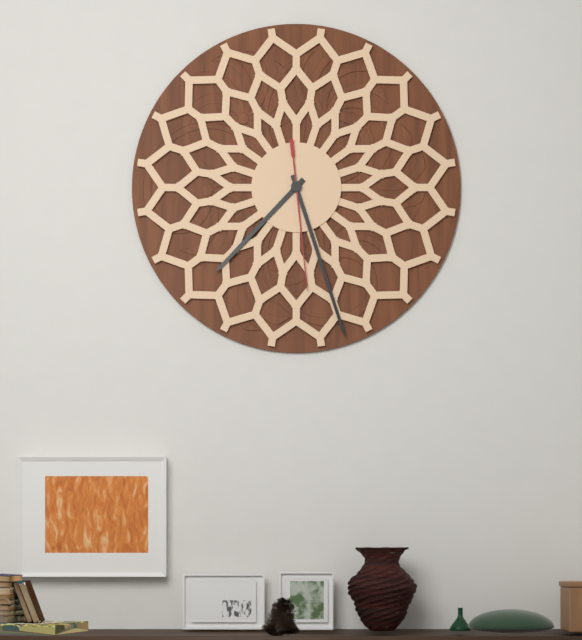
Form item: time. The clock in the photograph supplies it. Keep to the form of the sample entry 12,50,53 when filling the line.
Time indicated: 7,27,29
